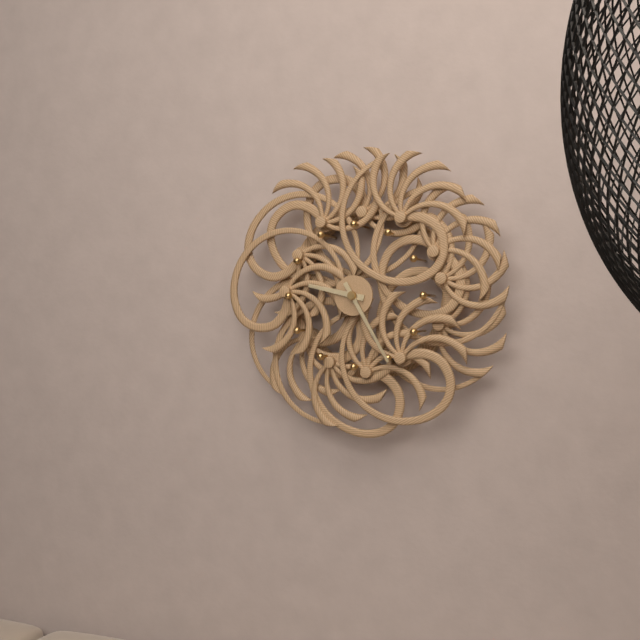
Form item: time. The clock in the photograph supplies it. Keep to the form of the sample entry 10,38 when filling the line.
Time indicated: 9,25
